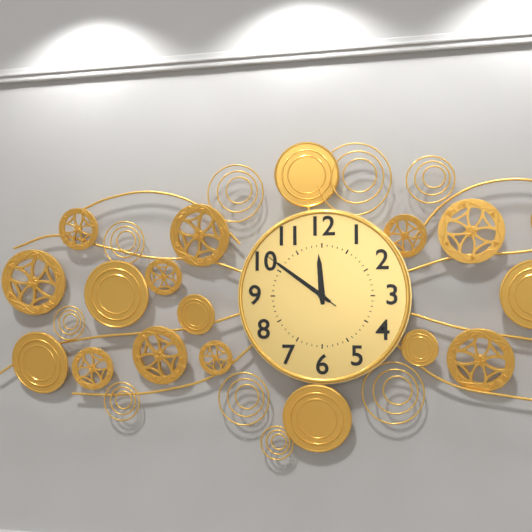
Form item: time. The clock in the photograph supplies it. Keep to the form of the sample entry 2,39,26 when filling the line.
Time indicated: 11,51,51
